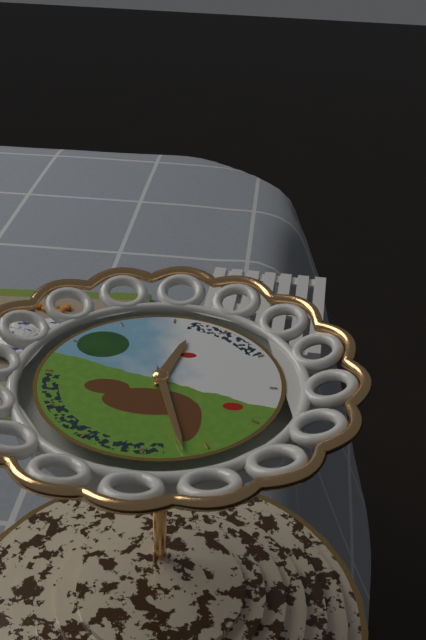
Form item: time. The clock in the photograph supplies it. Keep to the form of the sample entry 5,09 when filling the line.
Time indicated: 12,27
